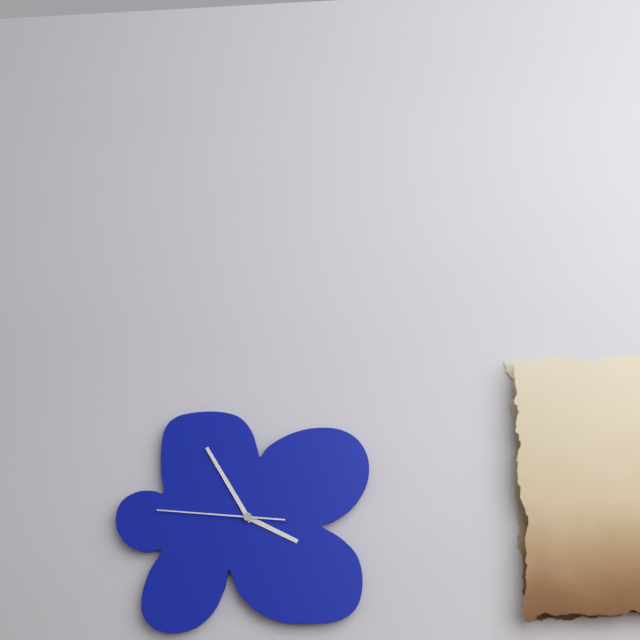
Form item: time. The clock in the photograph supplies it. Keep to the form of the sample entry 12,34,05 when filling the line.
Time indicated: 3,55,46
